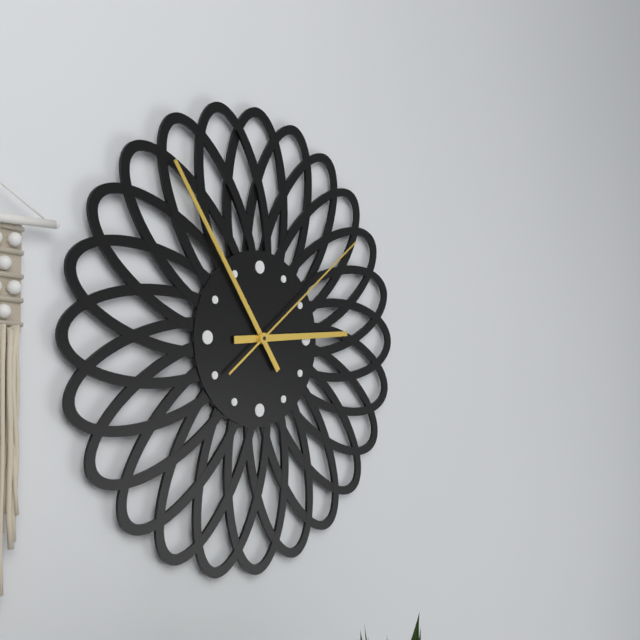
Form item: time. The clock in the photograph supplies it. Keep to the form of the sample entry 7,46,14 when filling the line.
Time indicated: 2,54,09
